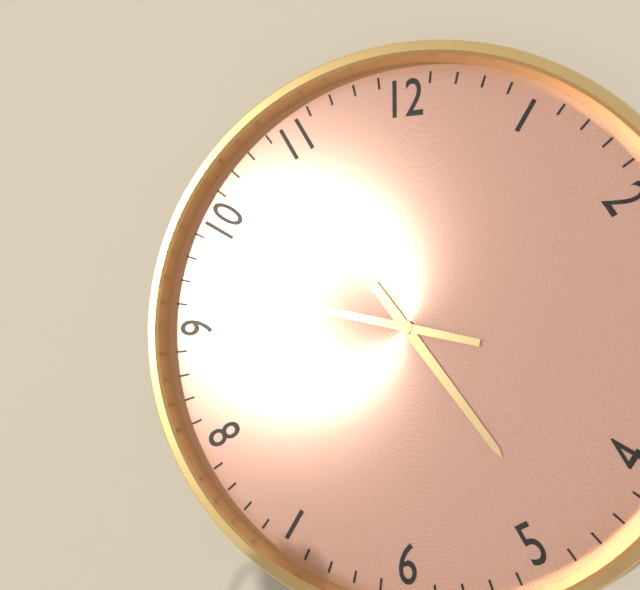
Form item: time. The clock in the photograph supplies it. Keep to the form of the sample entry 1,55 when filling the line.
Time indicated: 4,47
